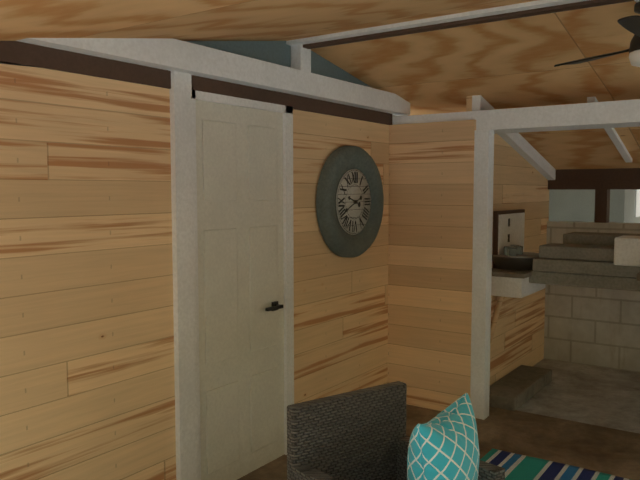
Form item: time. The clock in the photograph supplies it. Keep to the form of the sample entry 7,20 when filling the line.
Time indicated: 9,41
